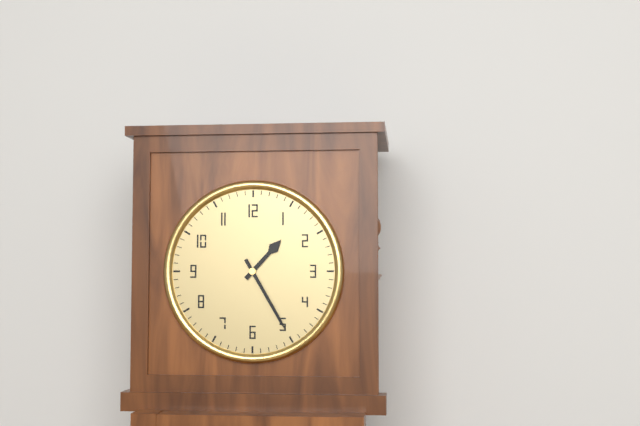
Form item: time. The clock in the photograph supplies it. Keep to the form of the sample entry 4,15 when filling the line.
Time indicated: 1,25
